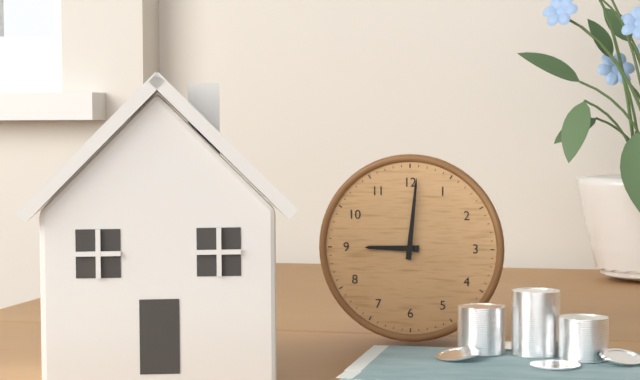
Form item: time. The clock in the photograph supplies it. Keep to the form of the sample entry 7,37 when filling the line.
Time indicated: 9,01
